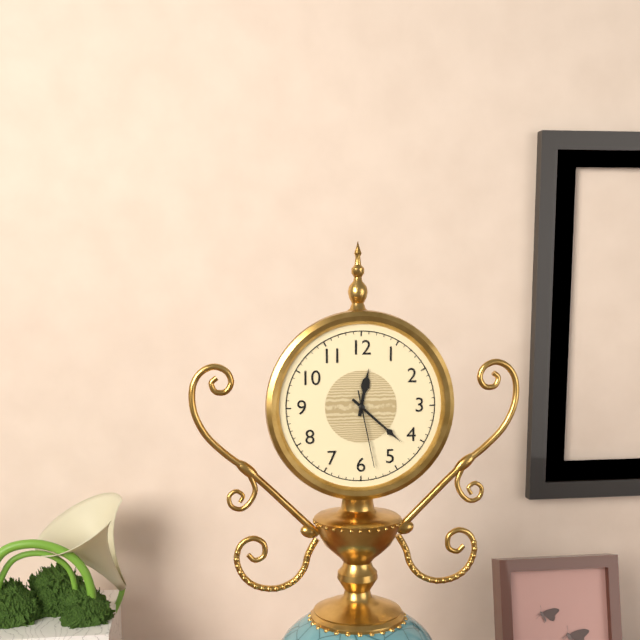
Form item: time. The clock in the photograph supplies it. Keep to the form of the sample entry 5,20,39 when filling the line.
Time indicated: 12,22,28
